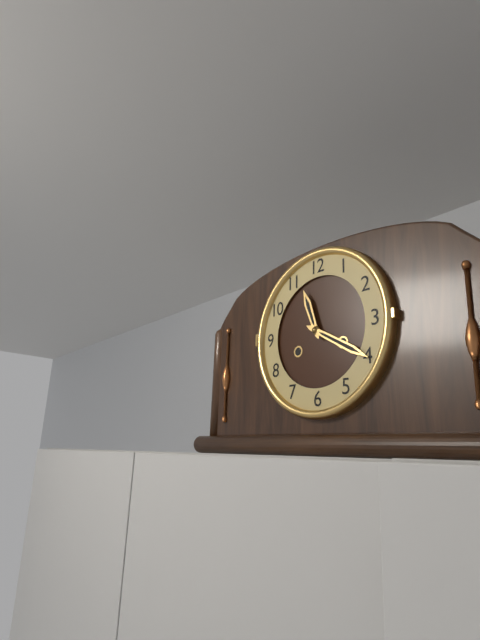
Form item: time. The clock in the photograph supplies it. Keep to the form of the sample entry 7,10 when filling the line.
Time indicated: 11,20
